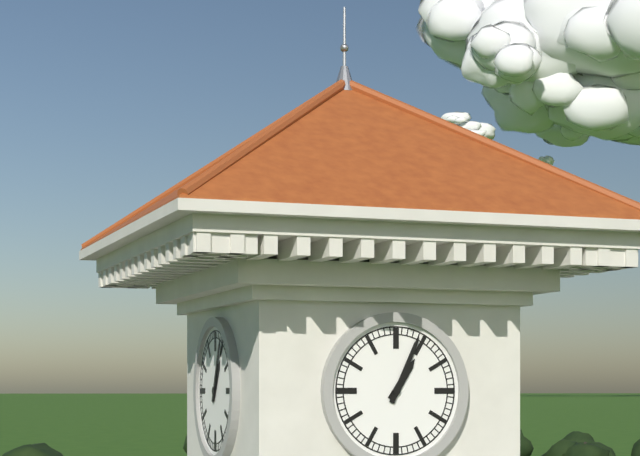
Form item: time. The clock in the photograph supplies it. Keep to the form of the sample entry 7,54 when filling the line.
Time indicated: 1,04
